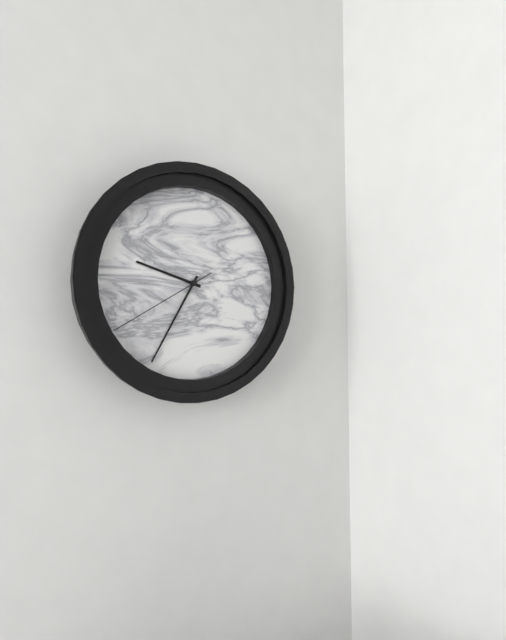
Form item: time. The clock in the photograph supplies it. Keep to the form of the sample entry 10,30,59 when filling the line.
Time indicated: 9,35,40
